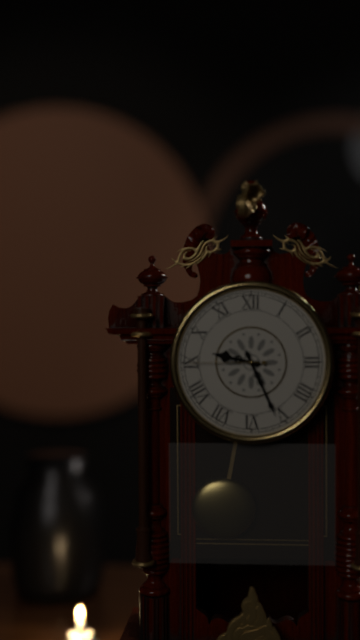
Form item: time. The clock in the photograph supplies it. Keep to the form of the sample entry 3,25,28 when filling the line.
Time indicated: 9,26,45
